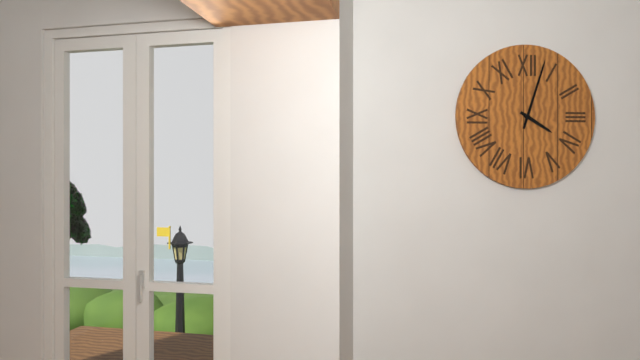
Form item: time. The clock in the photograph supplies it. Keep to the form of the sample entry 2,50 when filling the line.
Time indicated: 4,03
